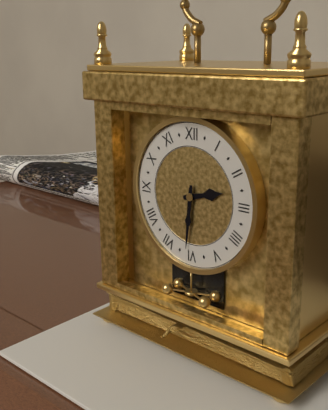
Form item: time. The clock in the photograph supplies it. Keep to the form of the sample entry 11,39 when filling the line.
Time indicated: 2,31
